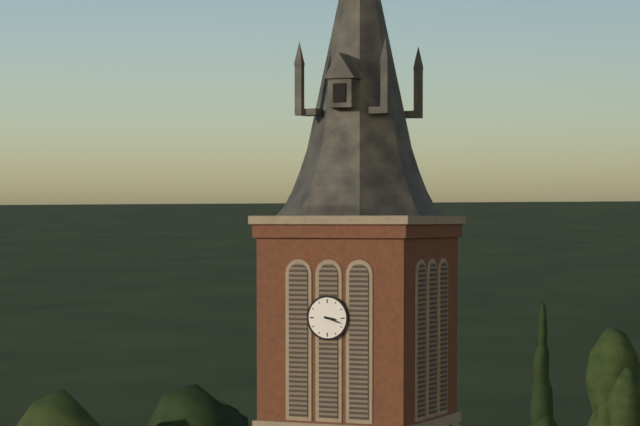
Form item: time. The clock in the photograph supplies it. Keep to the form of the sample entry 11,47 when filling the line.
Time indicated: 3,18
